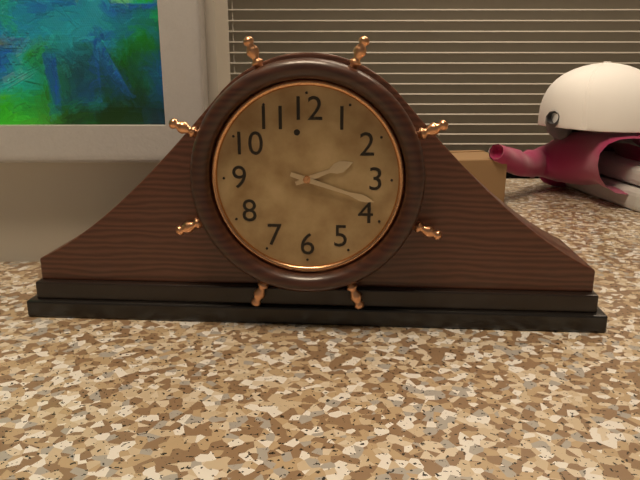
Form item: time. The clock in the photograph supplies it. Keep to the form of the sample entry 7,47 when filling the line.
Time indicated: 2,18
